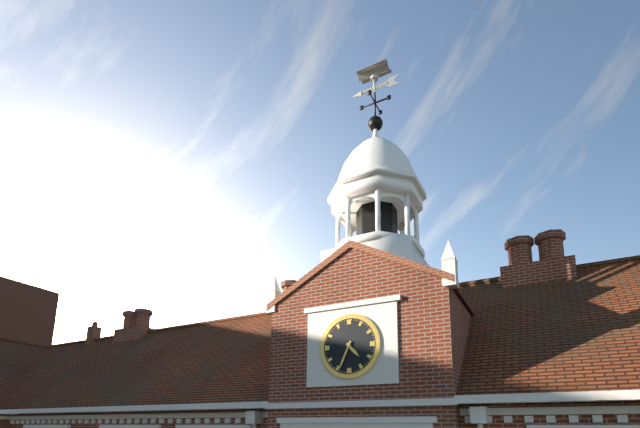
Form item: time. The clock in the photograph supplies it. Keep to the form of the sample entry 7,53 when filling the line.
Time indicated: 4,34
